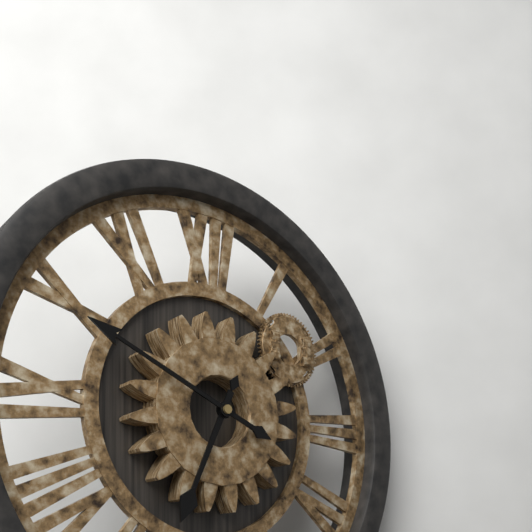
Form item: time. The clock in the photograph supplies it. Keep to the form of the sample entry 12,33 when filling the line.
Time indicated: 6,49
